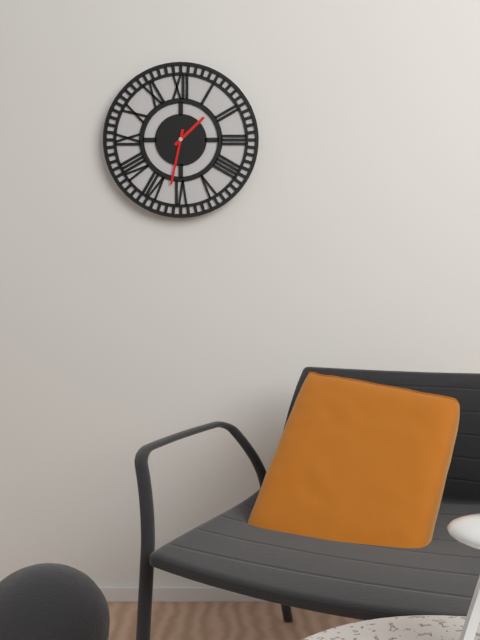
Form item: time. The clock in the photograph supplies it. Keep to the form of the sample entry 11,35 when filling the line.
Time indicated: 1,32
